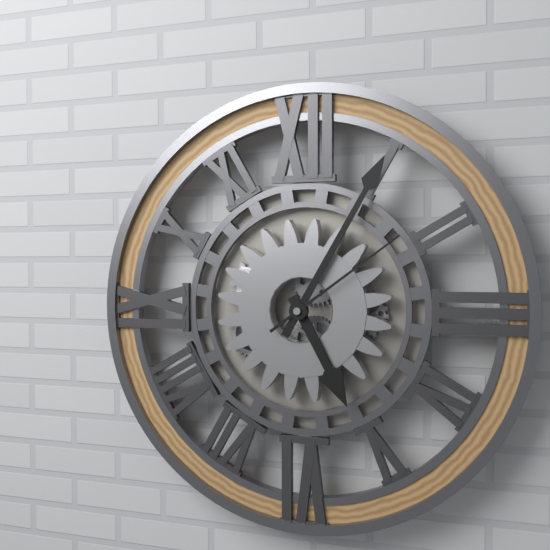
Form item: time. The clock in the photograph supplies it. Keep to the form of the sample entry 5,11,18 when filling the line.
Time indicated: 5,05,09
